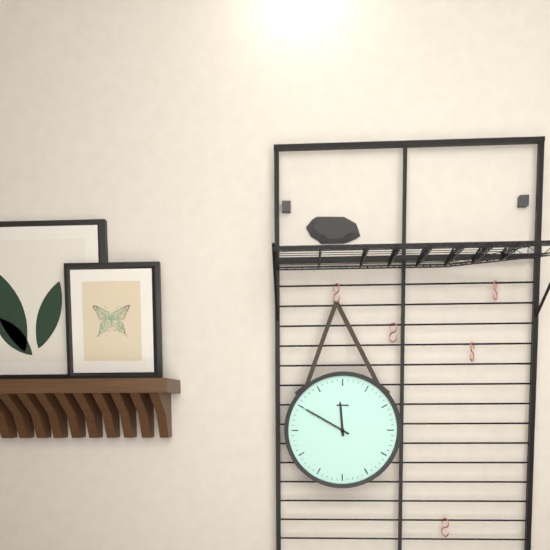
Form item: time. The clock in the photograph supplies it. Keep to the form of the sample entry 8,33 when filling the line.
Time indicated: 11,50
